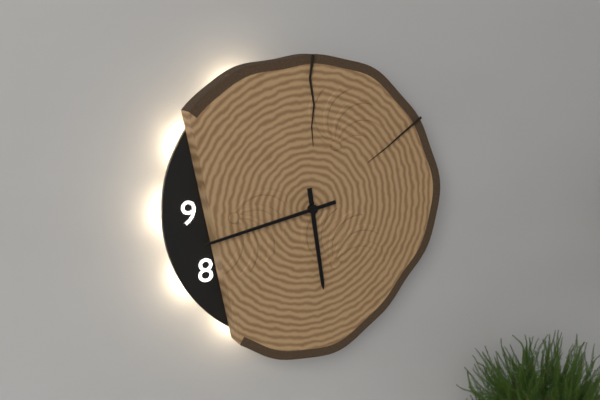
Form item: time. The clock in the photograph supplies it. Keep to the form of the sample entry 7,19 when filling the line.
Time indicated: 5,43
